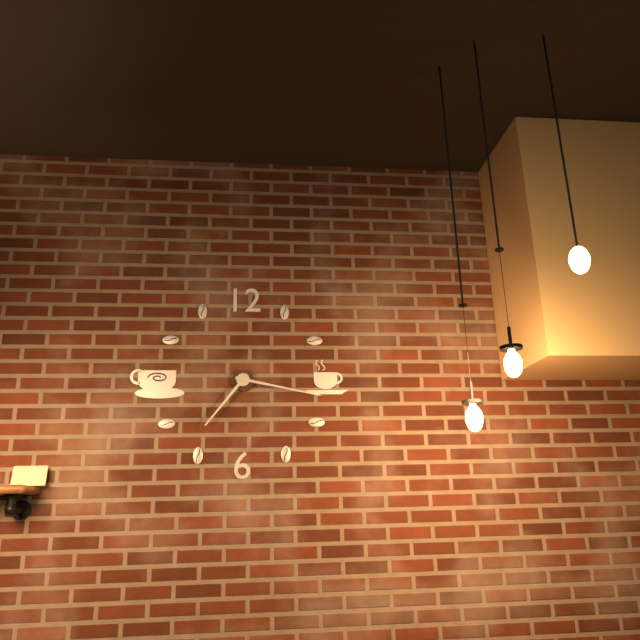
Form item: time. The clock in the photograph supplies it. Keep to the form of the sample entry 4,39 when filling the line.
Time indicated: 7,17
